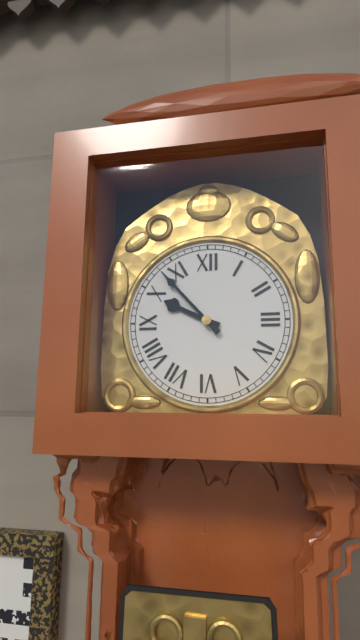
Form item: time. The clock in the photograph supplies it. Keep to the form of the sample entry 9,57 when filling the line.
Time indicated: 9,53
